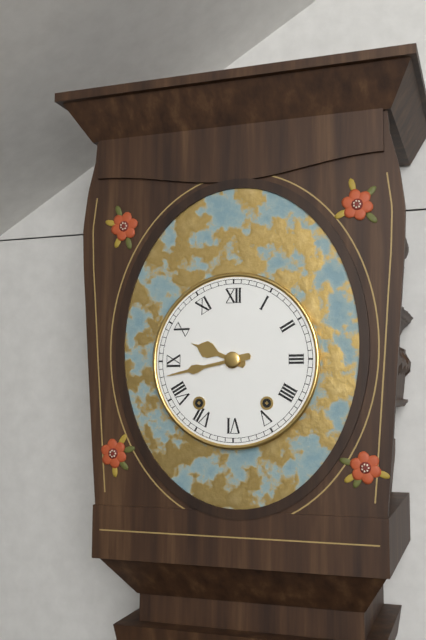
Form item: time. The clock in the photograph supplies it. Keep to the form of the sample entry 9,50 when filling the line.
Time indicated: 9,43
